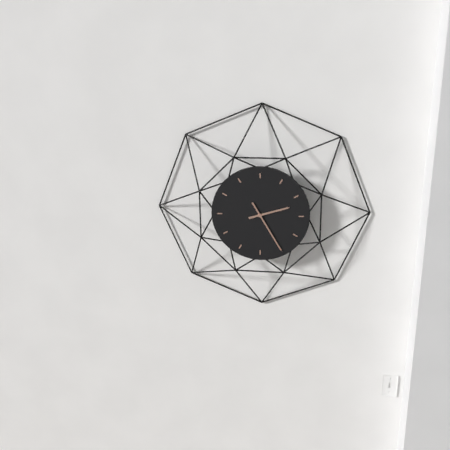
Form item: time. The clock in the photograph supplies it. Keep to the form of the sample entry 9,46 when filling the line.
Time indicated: 2,25
